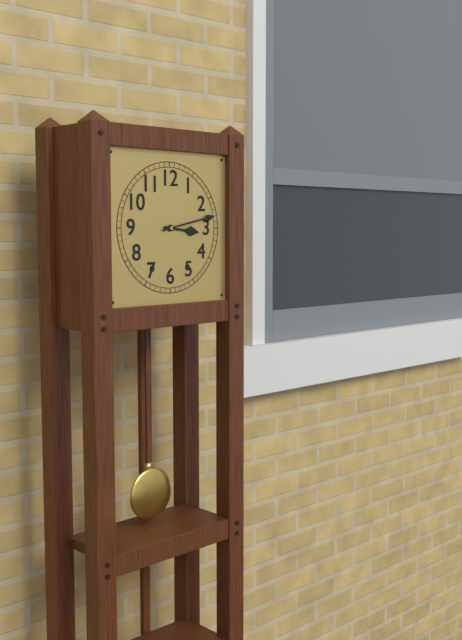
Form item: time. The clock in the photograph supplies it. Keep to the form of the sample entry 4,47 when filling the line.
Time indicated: 3,13
